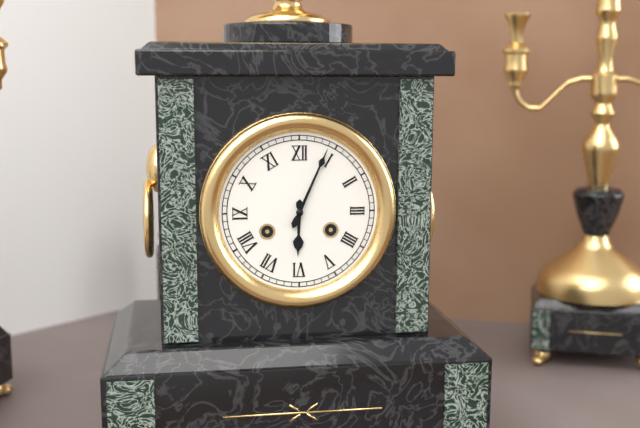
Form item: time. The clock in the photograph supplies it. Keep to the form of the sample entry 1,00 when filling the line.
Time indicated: 6,04
